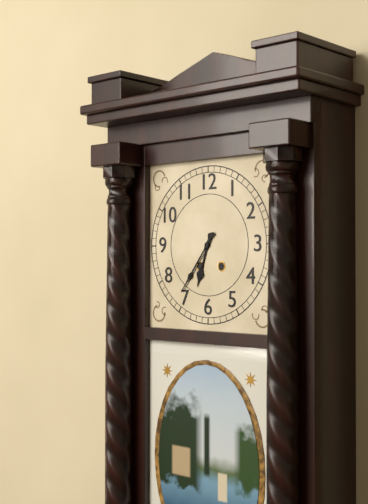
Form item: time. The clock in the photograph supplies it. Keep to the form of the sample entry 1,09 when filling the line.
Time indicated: 6,36
